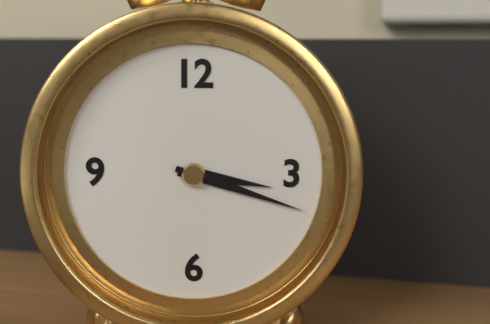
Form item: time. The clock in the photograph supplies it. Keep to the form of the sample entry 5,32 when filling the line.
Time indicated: 3,18
